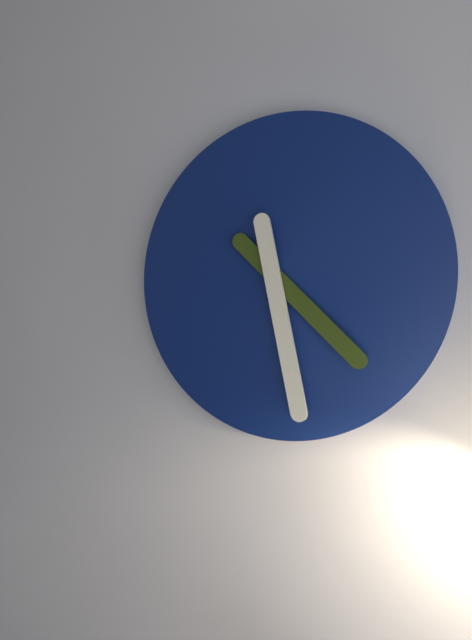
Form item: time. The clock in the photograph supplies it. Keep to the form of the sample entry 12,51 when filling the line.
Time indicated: 4,28
